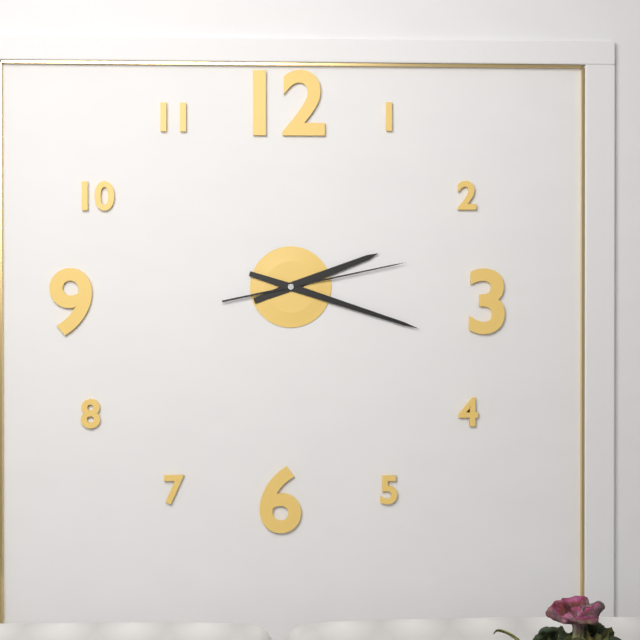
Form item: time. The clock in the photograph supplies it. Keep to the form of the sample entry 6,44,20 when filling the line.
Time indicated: 2,18,13
